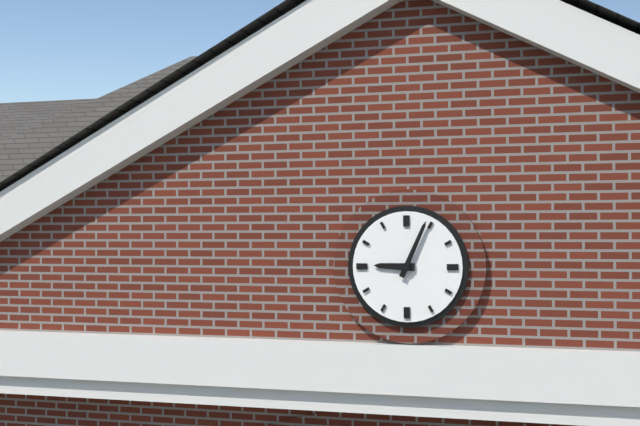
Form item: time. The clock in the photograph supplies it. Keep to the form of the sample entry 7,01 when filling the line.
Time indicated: 9,04
